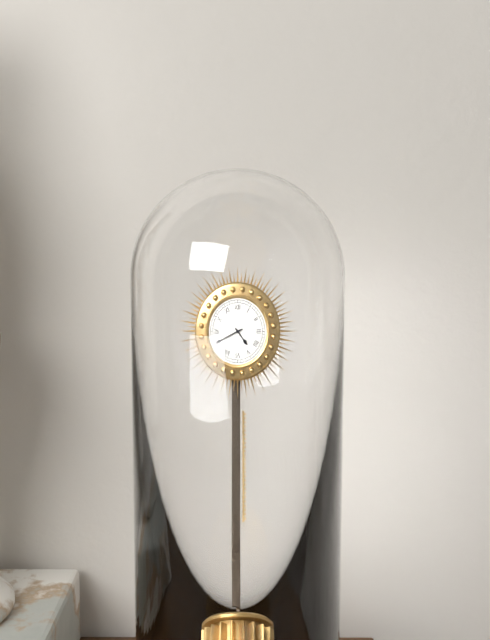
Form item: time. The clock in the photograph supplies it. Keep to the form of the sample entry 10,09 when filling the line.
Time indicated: 4,41
